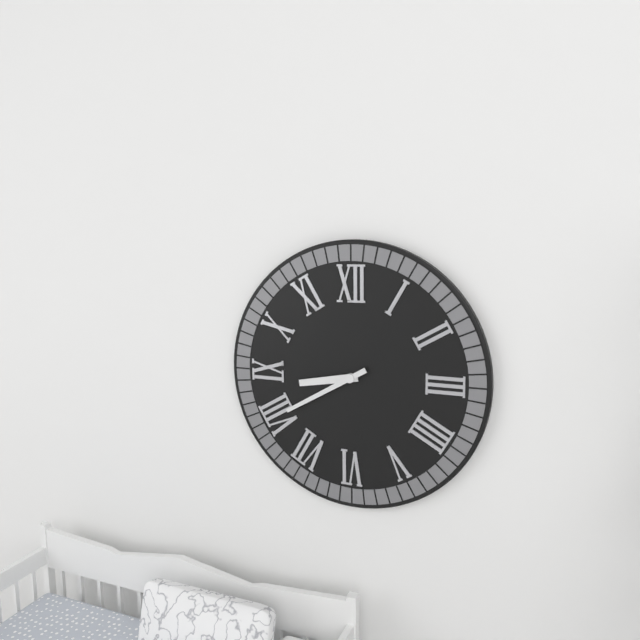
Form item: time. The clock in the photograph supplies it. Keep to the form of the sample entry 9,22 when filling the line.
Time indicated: 8,40
